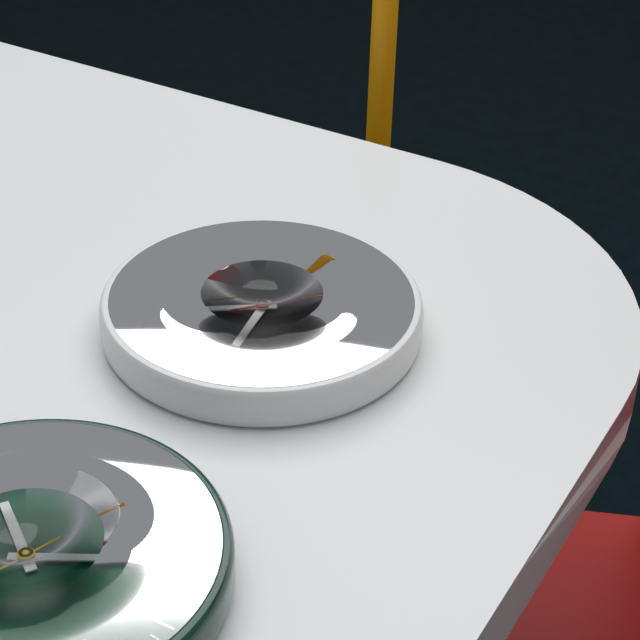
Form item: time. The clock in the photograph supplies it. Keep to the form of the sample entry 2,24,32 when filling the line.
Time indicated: 5,39,07
